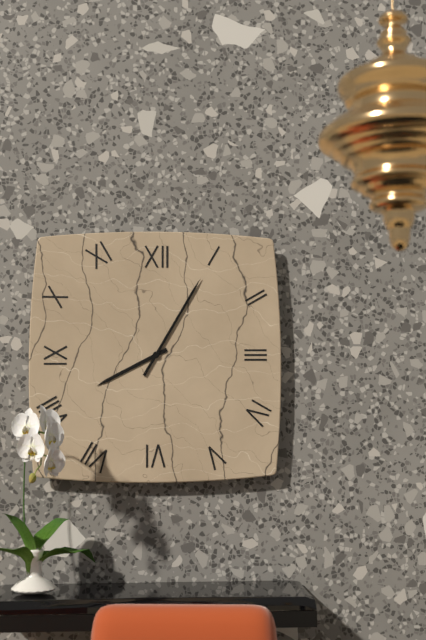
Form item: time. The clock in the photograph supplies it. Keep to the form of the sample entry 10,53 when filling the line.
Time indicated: 8,05
